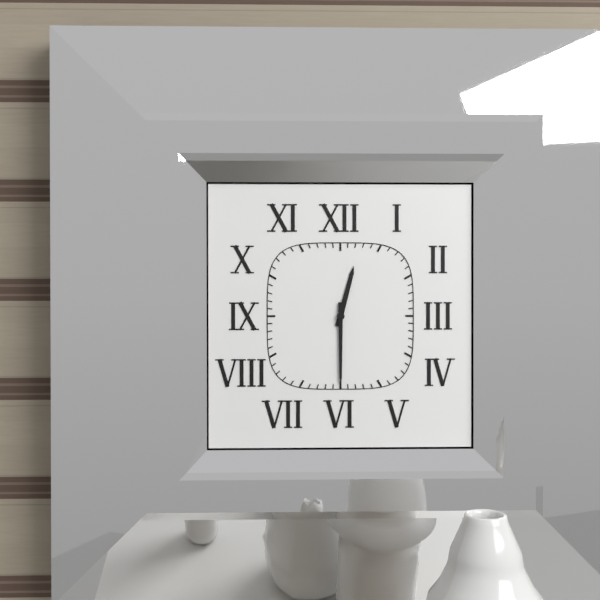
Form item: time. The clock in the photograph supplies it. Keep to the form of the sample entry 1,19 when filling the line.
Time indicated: 12,30
